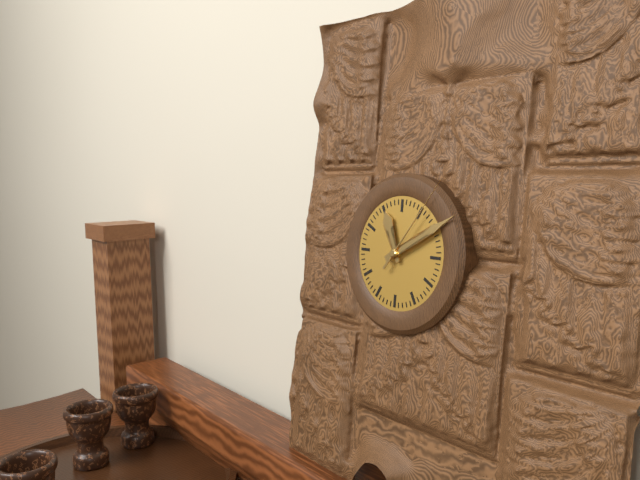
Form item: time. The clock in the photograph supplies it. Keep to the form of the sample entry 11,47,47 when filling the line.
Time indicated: 11,10,06
